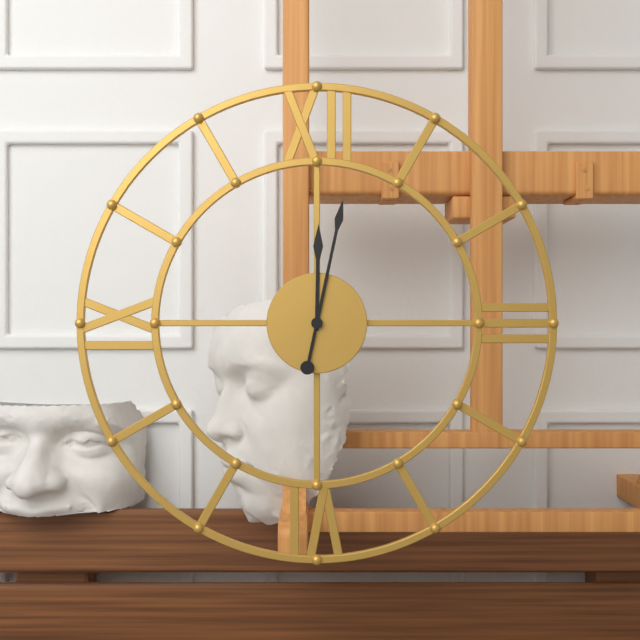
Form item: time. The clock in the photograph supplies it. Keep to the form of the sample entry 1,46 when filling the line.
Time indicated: 12,02
